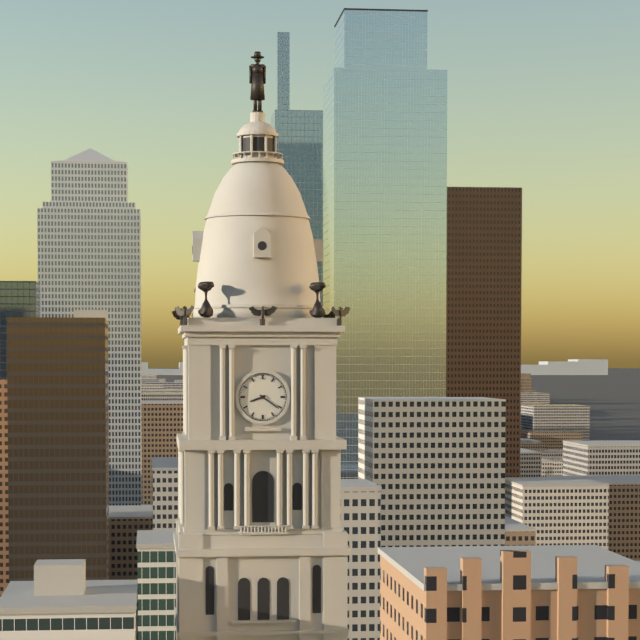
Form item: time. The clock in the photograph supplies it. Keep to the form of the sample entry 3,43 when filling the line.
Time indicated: 8,21
